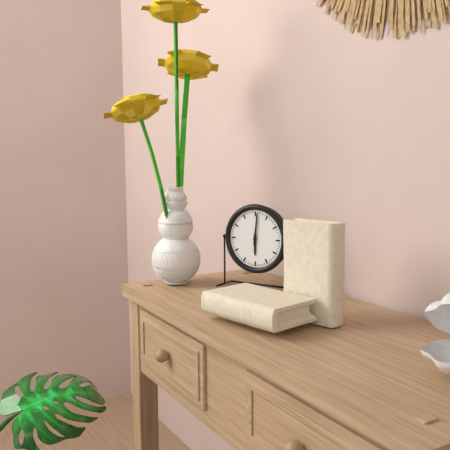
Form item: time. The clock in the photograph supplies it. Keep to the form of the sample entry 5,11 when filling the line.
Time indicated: 6,01
